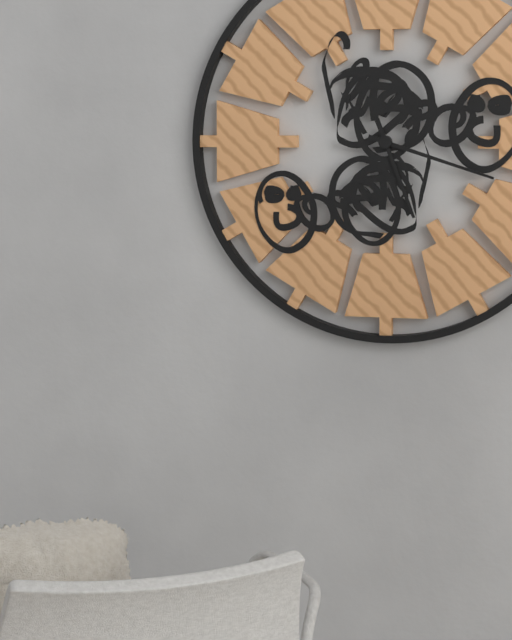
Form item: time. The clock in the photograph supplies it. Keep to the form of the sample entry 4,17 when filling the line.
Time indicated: 5,18
